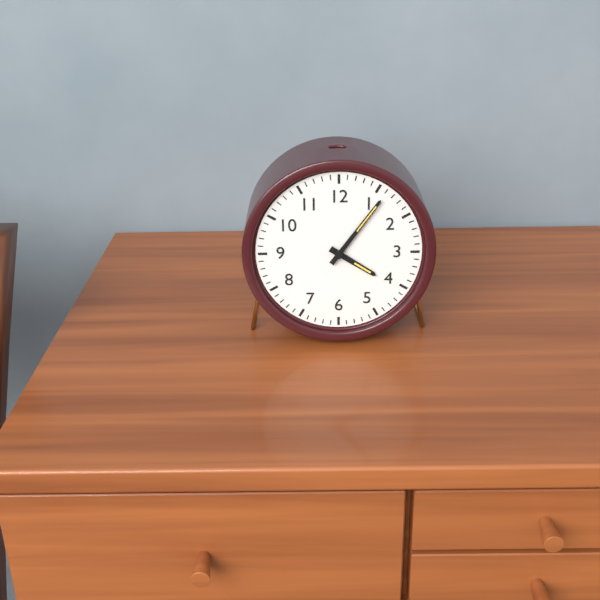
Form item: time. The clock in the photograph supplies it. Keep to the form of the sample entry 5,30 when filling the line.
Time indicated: 4,06
